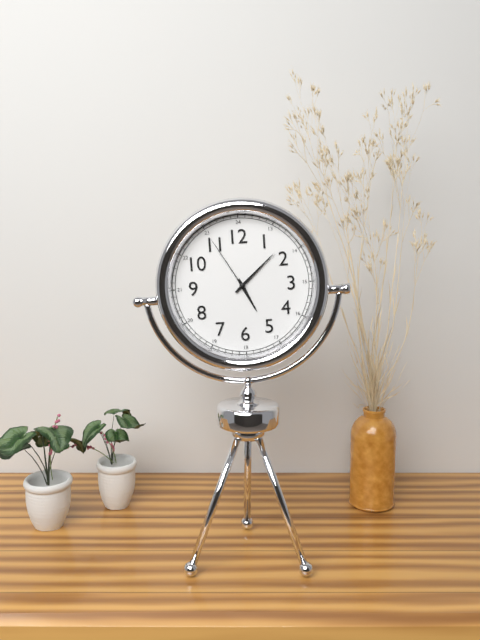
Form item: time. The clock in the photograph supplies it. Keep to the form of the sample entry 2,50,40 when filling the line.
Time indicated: 5,08,55
